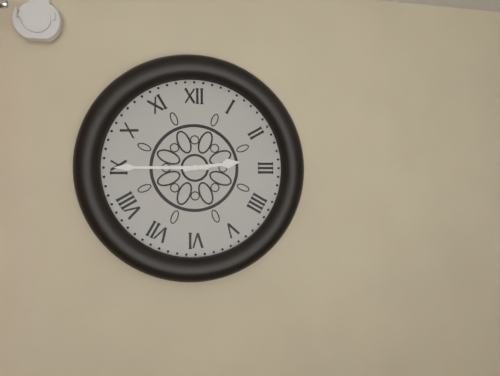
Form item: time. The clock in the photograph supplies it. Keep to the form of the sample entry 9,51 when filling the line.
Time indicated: 2,45
